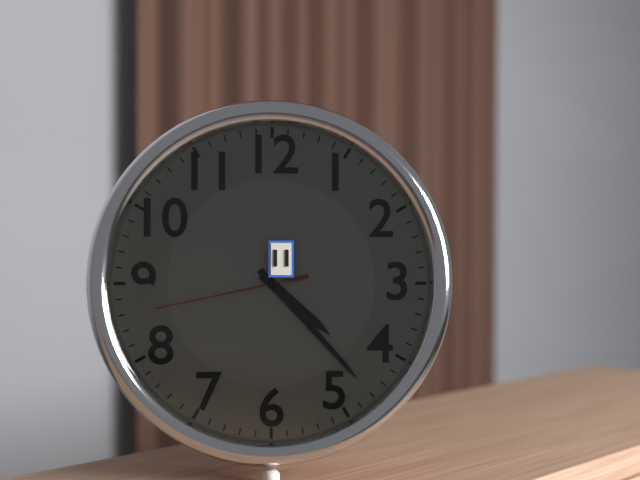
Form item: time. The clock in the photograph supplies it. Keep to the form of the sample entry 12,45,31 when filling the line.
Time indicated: 4,23,43
